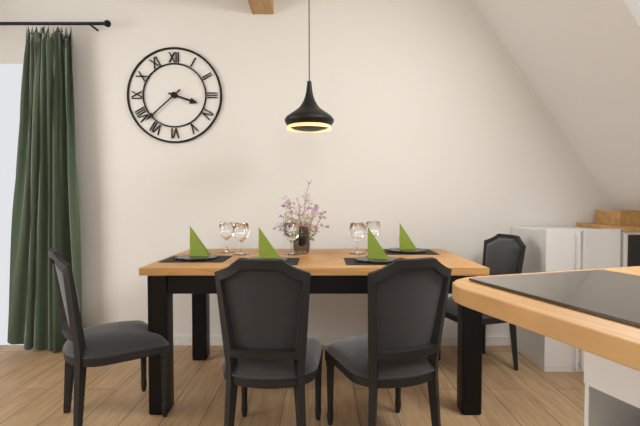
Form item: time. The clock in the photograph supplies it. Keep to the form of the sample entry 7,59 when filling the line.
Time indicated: 3,38
